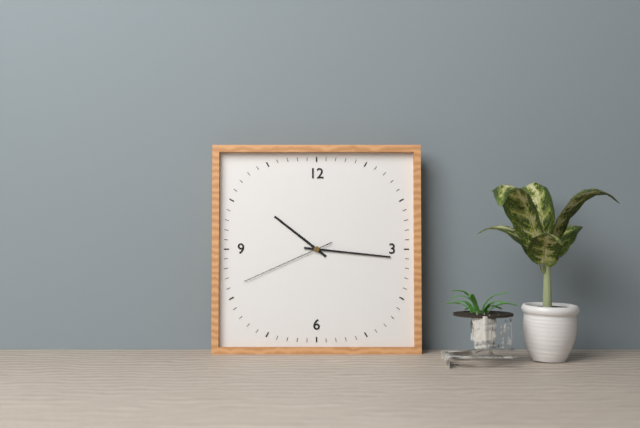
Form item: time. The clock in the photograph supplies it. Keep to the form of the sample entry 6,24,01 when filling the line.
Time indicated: 10,16,41
